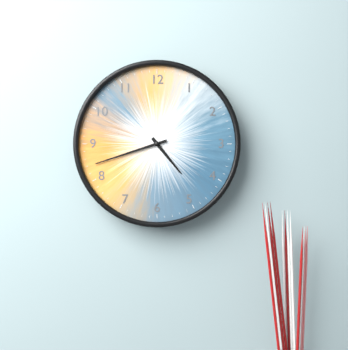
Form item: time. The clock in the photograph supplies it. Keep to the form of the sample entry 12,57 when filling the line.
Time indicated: 4,42
